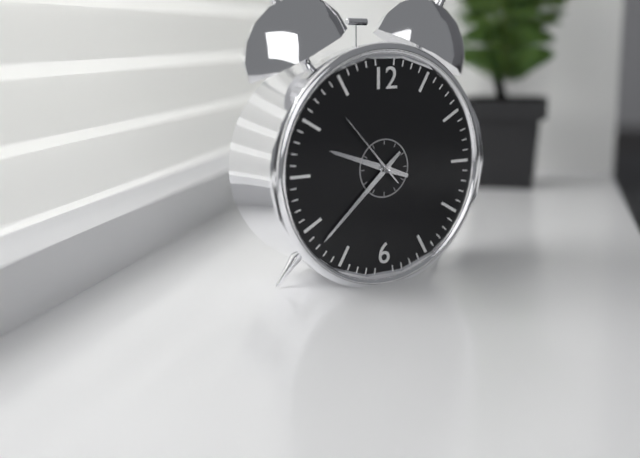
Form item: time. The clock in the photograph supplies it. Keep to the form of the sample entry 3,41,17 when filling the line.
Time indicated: 9,38,53
